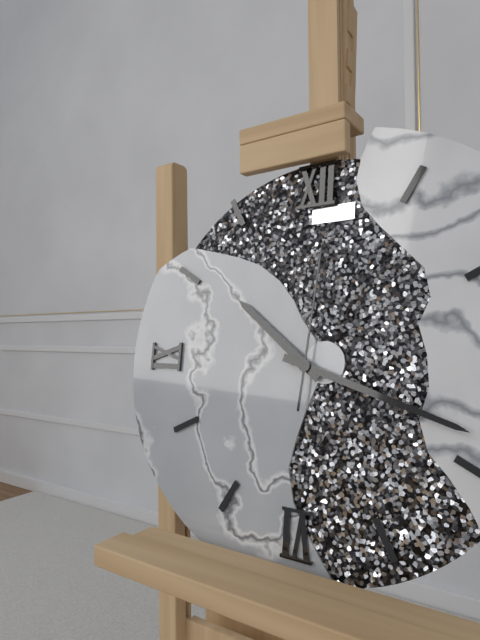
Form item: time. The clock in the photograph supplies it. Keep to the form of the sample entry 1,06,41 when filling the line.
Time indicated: 10,18,01
